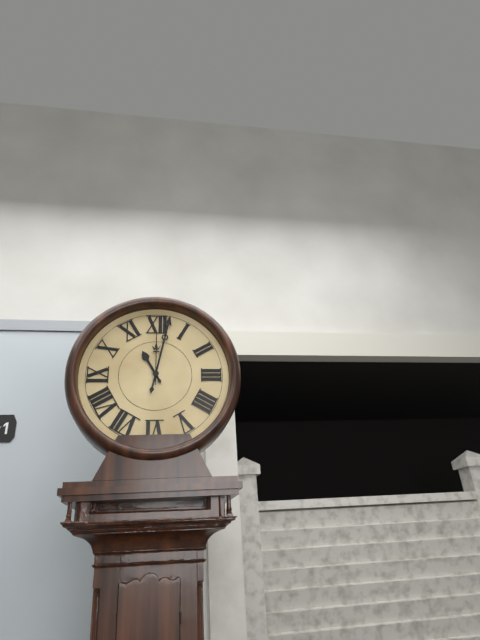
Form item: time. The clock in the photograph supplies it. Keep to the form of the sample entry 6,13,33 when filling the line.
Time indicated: 11,02,00
